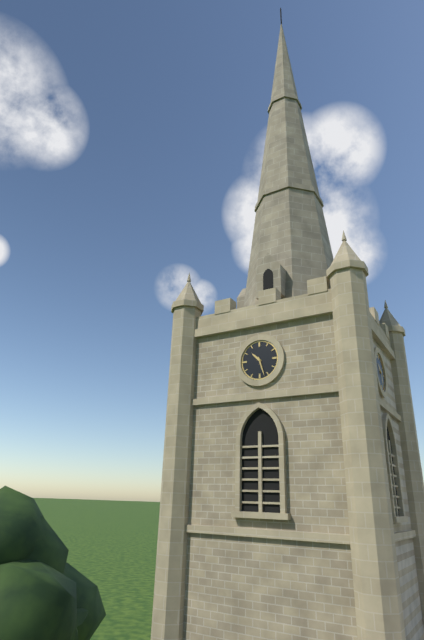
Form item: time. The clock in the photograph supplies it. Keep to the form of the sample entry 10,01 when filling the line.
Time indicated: 10,27
